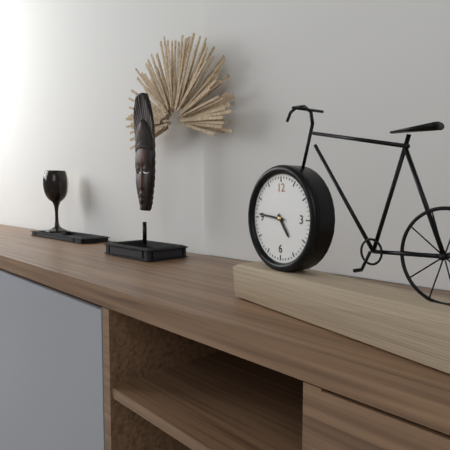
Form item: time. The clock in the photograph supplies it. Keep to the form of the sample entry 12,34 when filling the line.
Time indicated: 4,46
